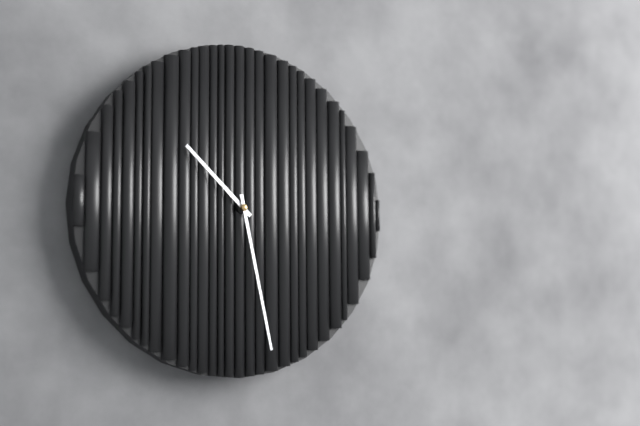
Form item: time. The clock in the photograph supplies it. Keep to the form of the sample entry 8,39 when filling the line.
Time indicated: 10,28
